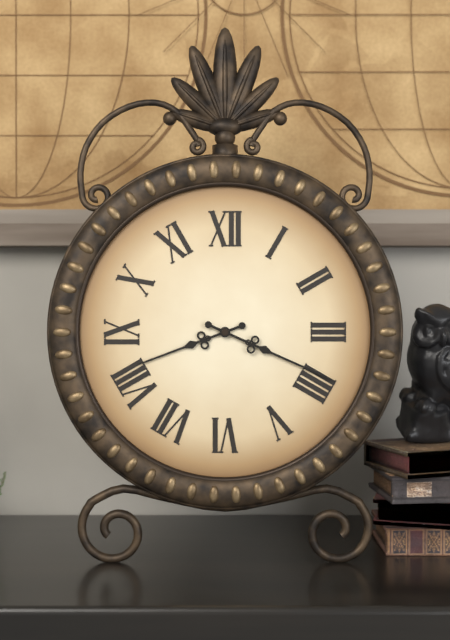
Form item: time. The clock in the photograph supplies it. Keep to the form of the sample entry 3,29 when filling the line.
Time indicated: 8,19
